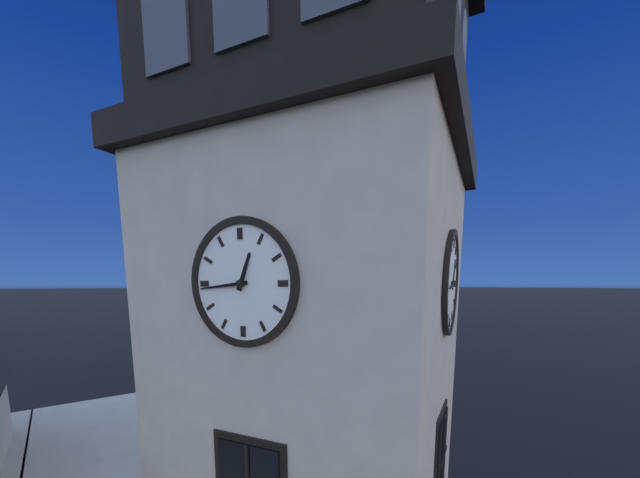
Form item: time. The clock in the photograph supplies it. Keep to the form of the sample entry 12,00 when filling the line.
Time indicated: 12,44
